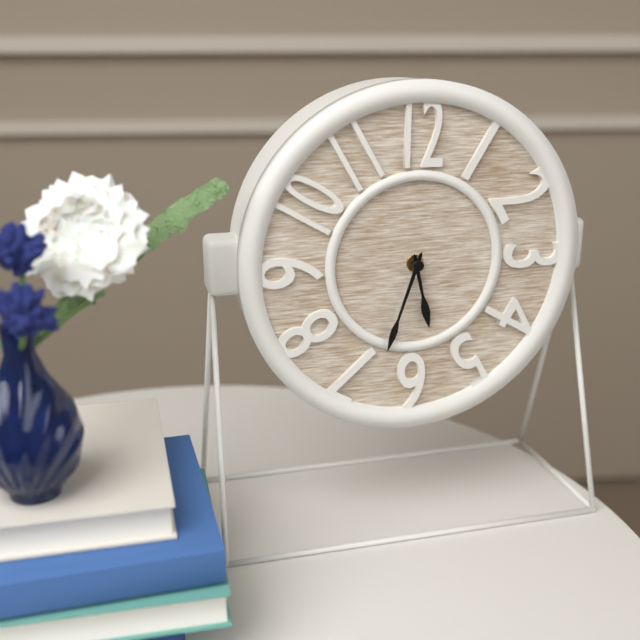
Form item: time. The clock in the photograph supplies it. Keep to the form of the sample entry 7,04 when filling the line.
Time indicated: 5,33
